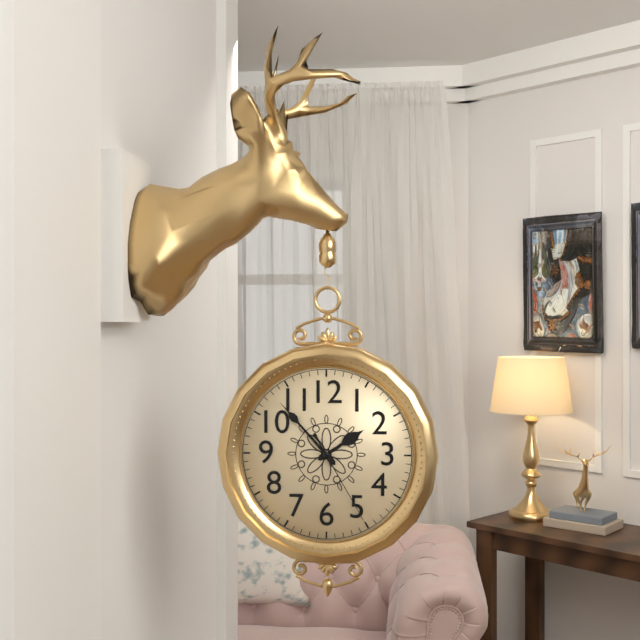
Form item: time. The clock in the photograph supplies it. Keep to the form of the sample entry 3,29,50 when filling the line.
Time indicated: 1,53,25
